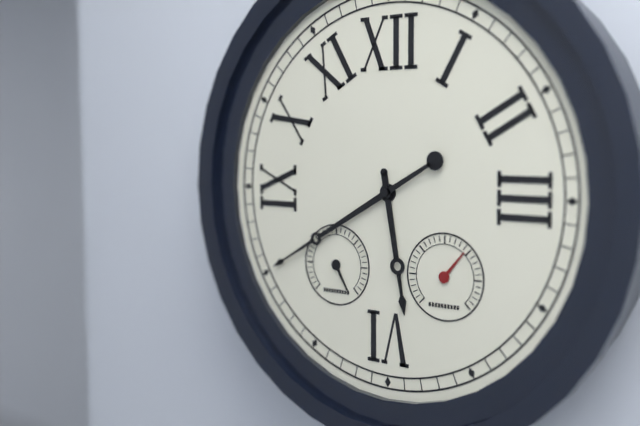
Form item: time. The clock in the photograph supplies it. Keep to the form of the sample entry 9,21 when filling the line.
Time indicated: 5,40
